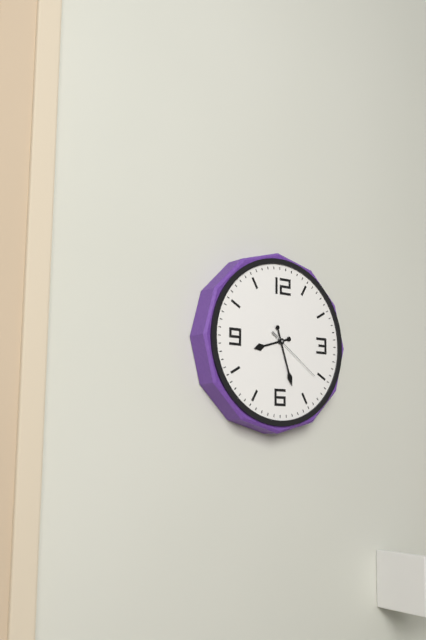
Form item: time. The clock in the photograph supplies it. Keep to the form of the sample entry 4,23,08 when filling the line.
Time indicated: 8,27,21
